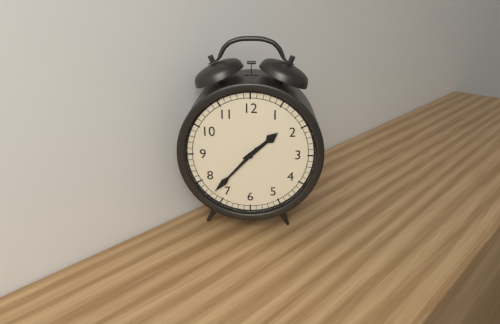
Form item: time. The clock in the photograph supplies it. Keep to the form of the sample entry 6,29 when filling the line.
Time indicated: 1,37
